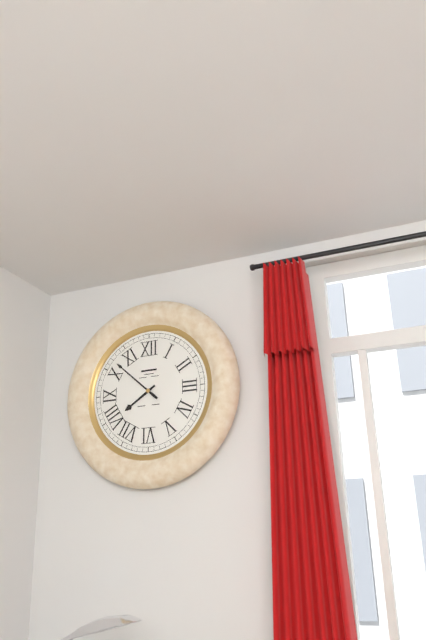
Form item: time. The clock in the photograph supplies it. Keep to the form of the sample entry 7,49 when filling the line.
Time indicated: 7,52
